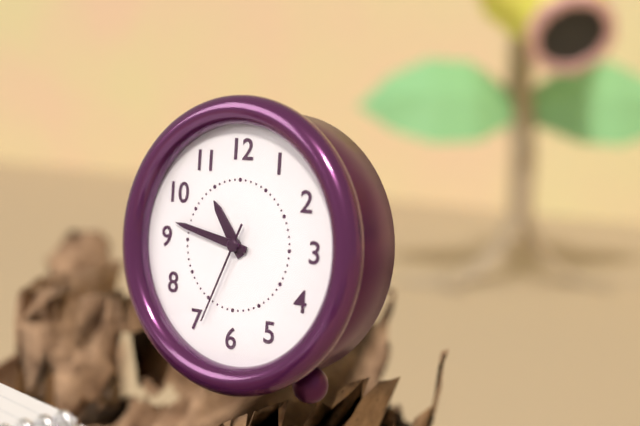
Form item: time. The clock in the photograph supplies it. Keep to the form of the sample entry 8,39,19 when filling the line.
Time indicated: 10,47,34
